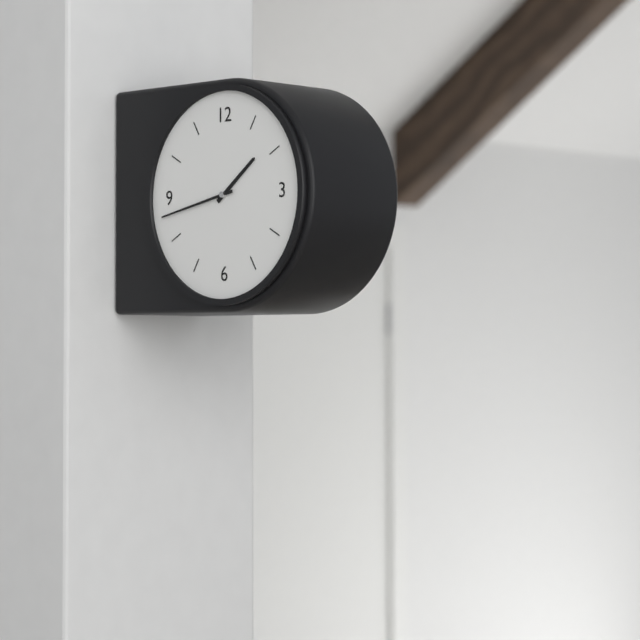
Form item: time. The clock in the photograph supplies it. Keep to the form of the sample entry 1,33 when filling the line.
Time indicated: 1,43
